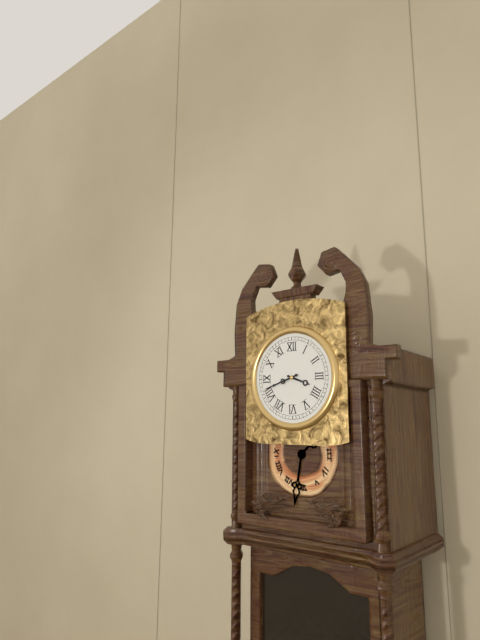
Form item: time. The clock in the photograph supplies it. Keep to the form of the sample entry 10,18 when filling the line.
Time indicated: 3,42
